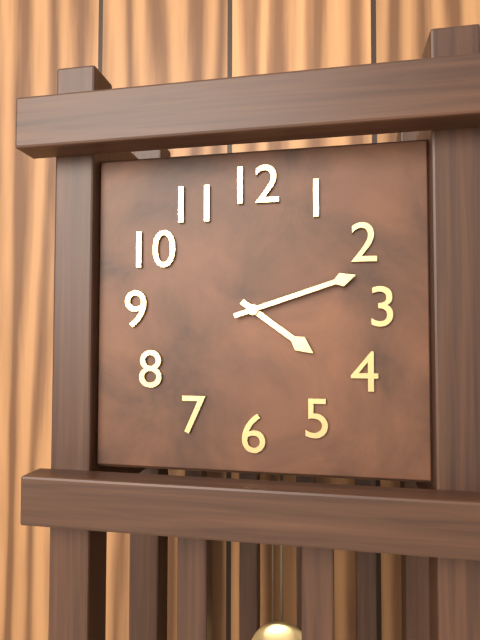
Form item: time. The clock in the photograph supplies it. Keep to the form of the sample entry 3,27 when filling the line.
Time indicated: 4,12
